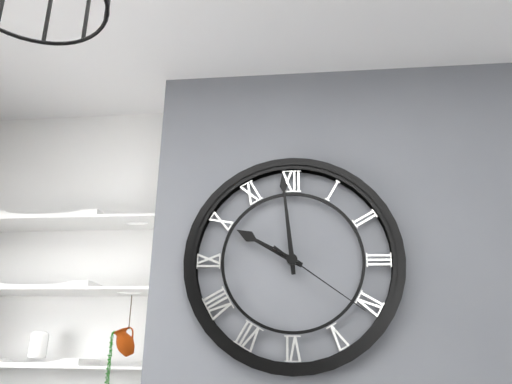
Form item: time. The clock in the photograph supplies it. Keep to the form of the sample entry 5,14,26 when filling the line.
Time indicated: 9,59,21
